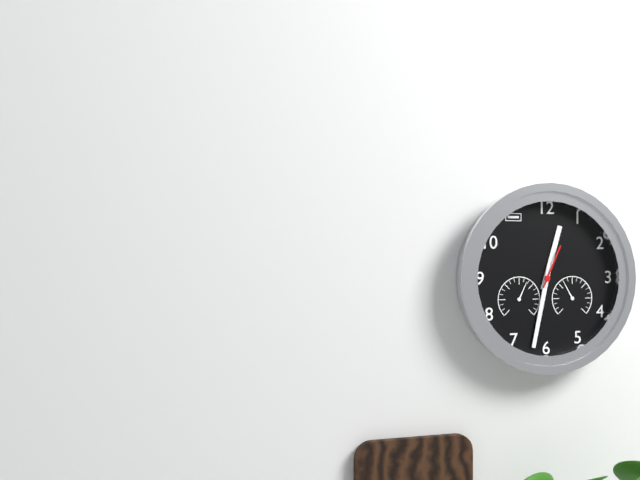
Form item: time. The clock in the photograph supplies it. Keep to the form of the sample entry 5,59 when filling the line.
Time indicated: 12,32
